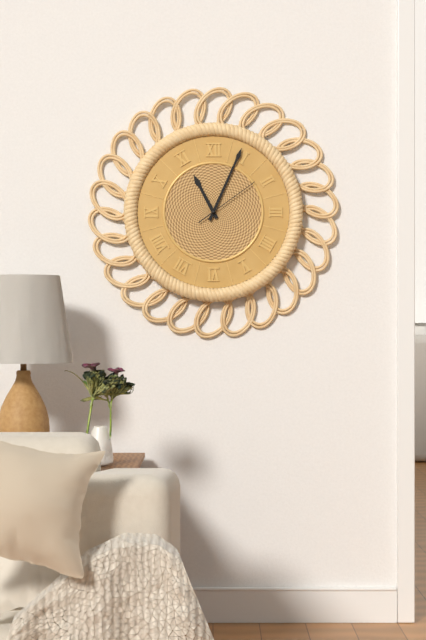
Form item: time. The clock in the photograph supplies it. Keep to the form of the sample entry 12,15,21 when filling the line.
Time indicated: 11,04,09
